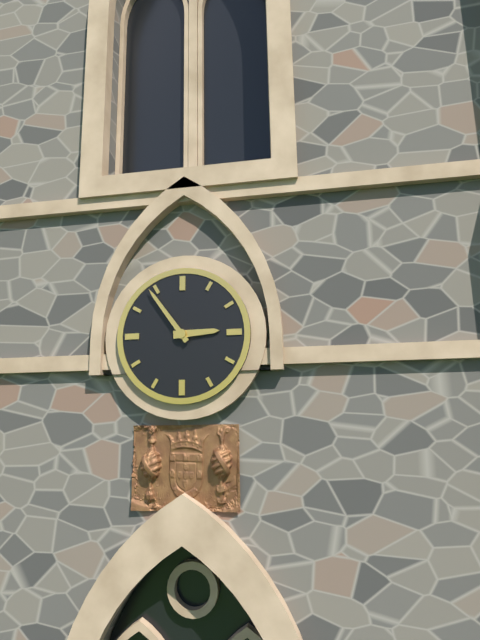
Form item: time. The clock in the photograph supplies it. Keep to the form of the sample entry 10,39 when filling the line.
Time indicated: 2,54
